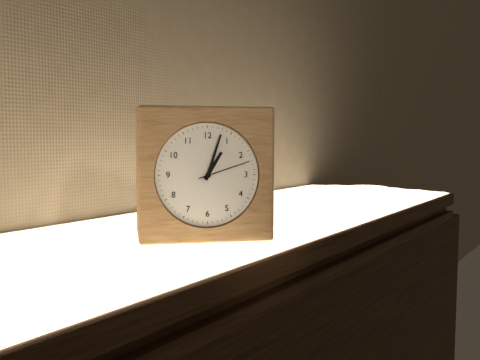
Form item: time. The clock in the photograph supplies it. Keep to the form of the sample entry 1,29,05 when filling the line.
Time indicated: 1,03,12
